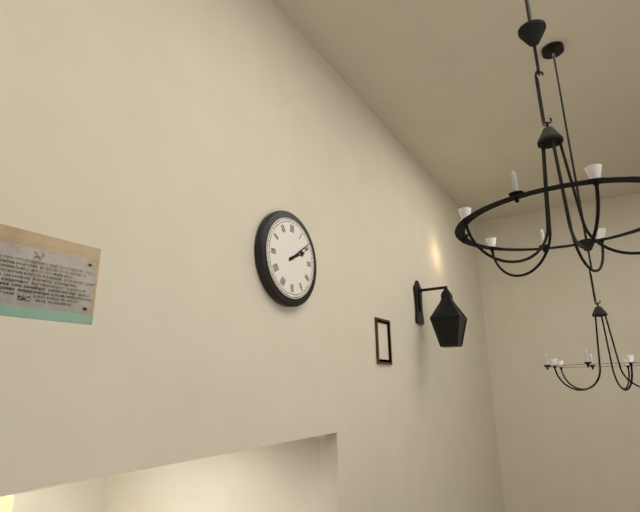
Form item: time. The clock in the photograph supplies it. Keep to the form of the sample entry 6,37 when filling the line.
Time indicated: 2,09
